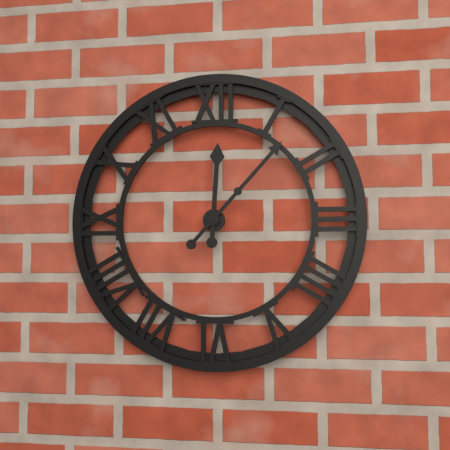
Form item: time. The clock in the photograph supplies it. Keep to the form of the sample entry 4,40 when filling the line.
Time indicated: 12,07
